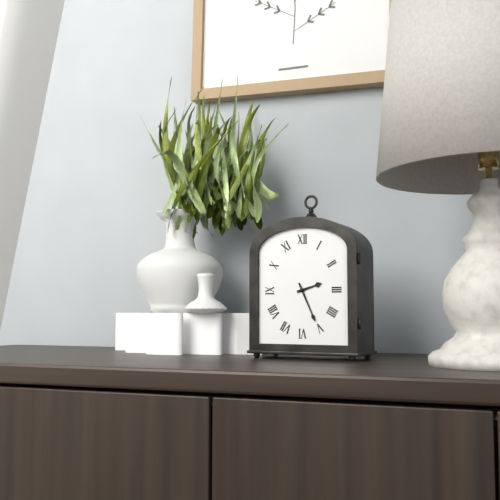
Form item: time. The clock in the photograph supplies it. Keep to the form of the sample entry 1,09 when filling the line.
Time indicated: 2,26
